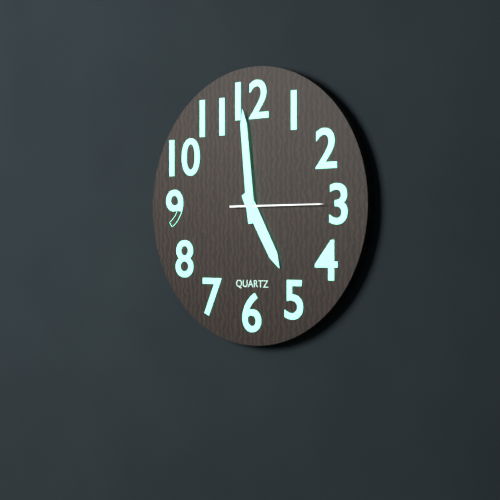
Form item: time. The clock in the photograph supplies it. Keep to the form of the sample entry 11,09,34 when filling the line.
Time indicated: 4,59,15
